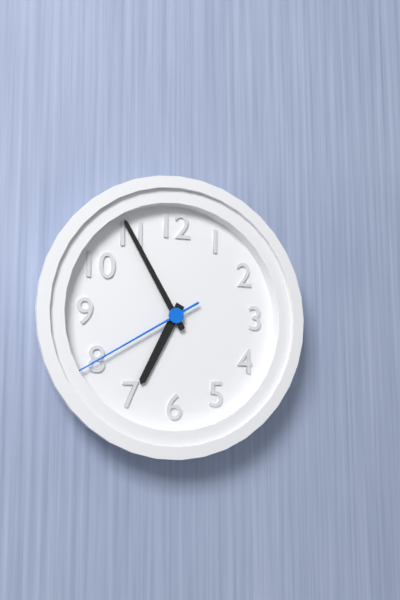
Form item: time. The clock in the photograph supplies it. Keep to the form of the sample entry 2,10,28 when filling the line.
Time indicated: 6,55,40
